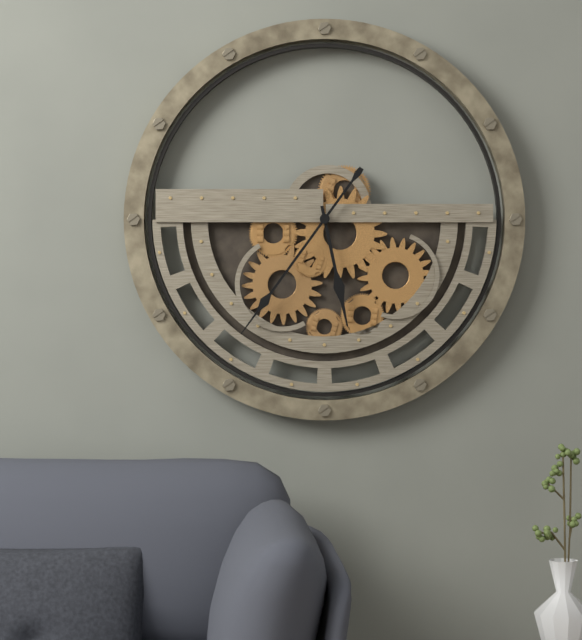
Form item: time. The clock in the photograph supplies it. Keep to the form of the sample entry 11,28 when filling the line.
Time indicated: 5,36
